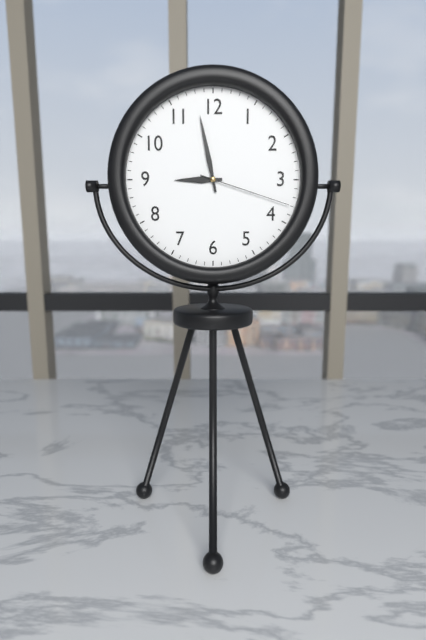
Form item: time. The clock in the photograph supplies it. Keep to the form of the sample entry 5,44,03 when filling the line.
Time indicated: 8,58,18
